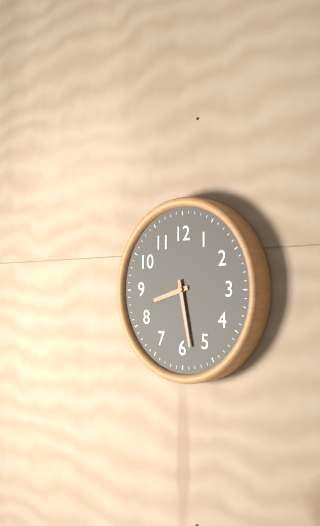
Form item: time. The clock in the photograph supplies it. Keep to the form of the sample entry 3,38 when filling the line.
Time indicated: 8,28
